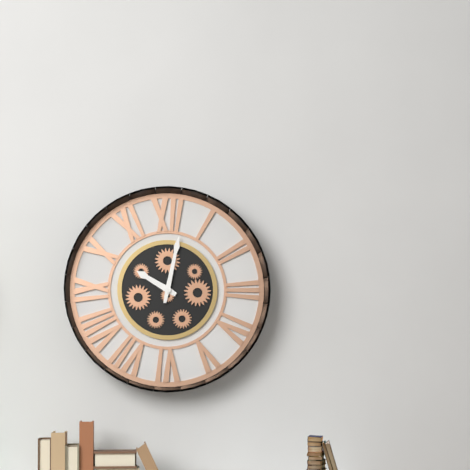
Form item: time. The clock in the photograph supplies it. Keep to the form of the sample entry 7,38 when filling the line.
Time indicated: 10,02
